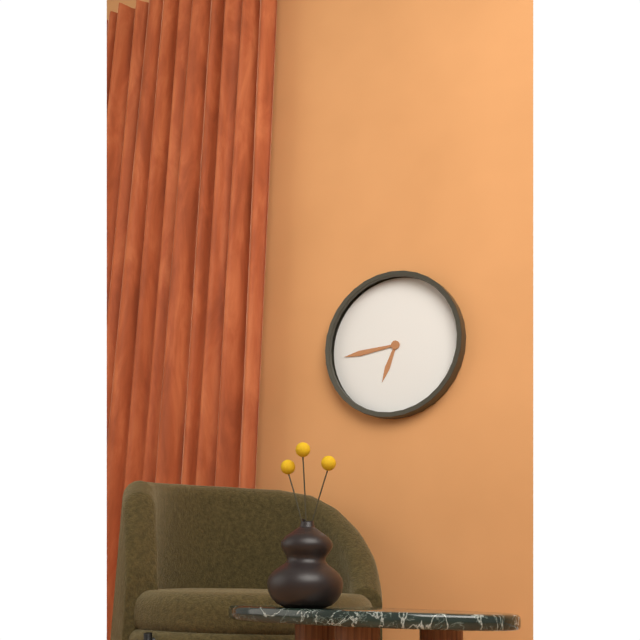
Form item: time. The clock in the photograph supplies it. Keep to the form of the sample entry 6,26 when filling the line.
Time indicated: 6,44
